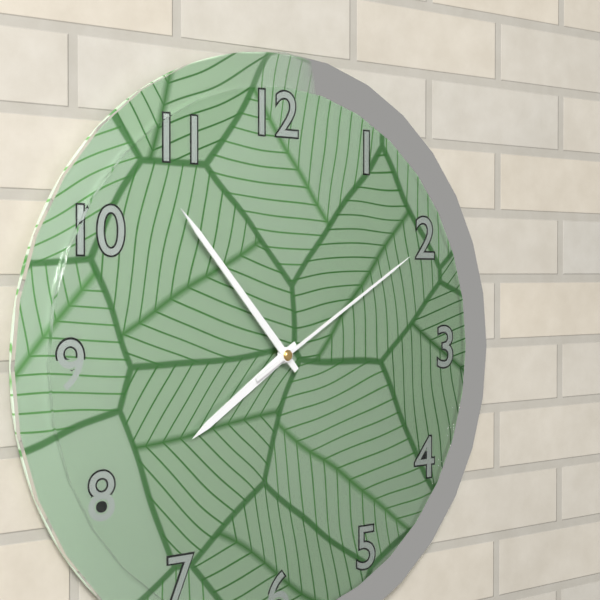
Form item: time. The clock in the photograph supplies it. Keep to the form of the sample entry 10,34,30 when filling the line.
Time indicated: 7,53,10
